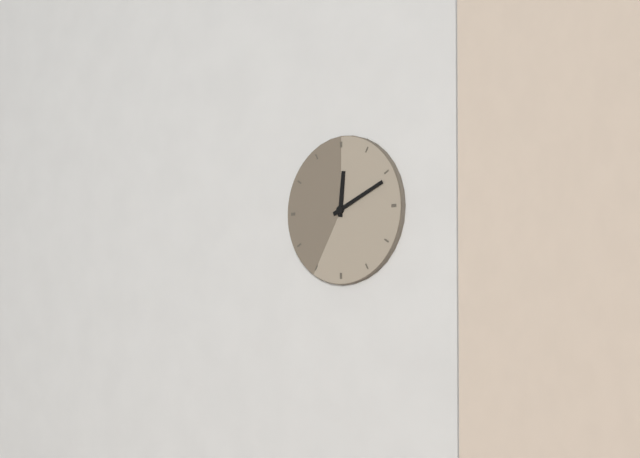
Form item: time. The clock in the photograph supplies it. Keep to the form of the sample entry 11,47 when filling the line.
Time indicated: 12,11
